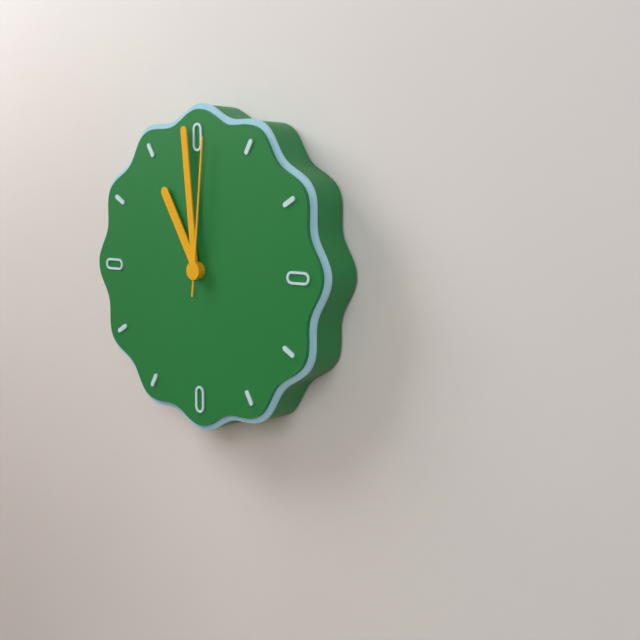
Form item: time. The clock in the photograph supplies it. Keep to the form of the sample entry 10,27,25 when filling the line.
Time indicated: 10,59,01
